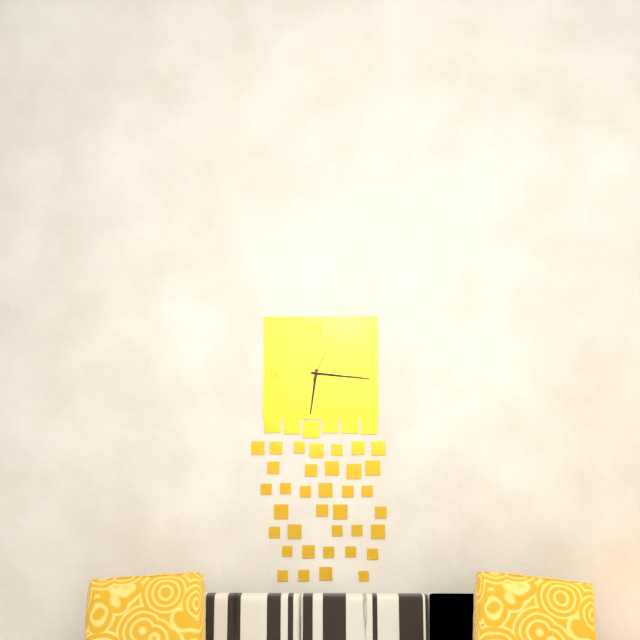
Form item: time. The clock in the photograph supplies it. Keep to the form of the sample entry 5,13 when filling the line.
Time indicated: 6,16
